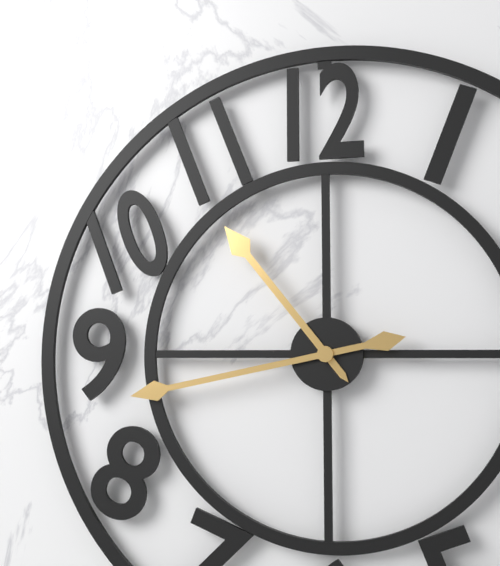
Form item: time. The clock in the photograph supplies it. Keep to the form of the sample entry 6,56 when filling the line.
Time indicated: 10,43
